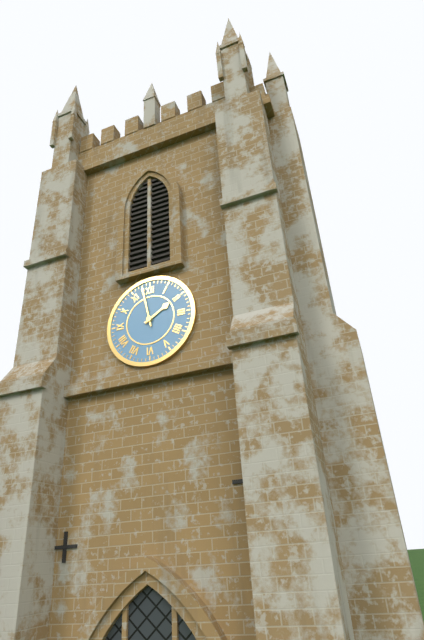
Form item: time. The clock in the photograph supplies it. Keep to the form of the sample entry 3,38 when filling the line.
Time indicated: 1,58
